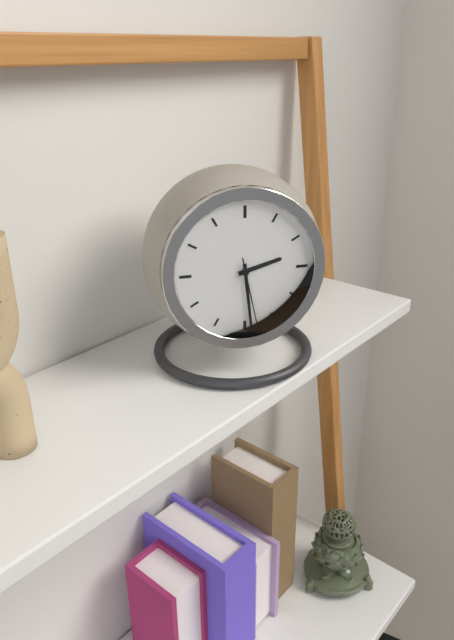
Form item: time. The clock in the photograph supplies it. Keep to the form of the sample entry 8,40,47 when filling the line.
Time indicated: 2,29,28
